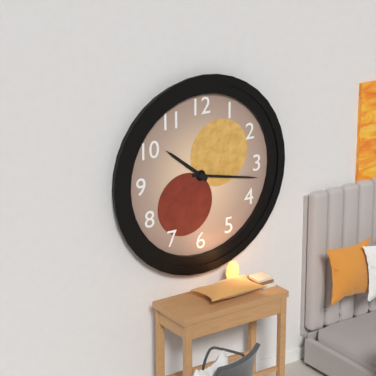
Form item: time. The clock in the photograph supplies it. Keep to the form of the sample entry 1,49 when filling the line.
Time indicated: 10,17
